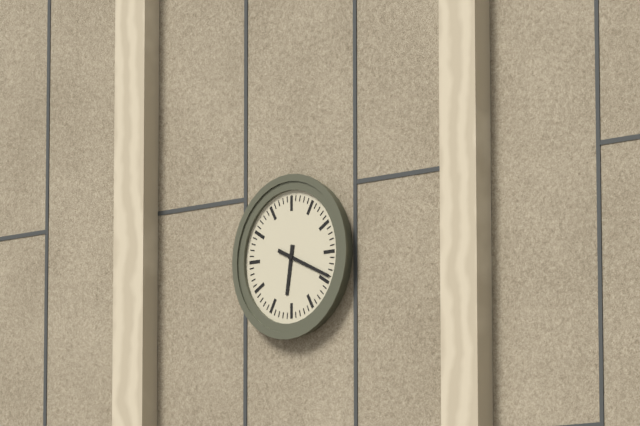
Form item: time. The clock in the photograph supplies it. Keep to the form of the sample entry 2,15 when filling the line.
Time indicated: 6,19
